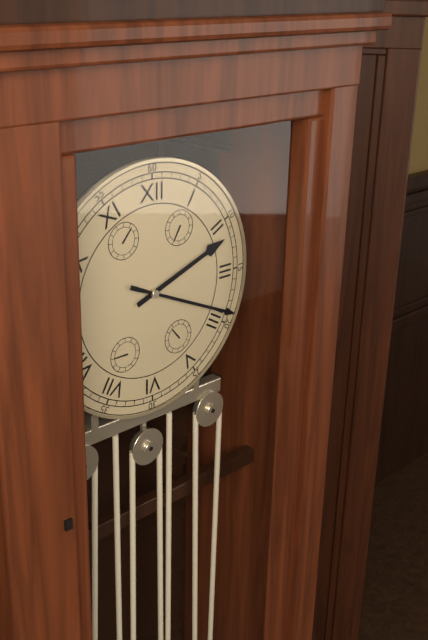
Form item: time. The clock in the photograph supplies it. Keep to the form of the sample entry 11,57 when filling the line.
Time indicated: 2,19
